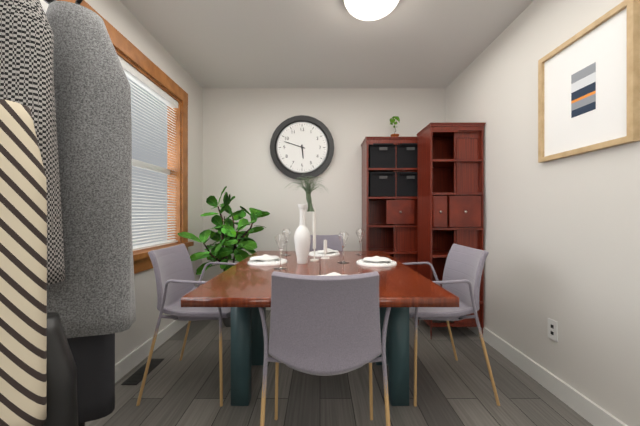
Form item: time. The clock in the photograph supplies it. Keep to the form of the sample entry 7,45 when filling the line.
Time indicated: 5,48
